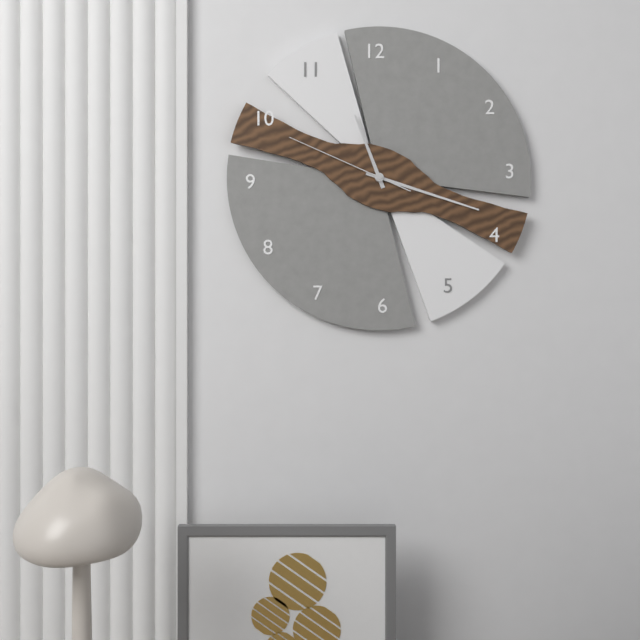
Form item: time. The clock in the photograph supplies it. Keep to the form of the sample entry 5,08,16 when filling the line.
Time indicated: 11,18,49
